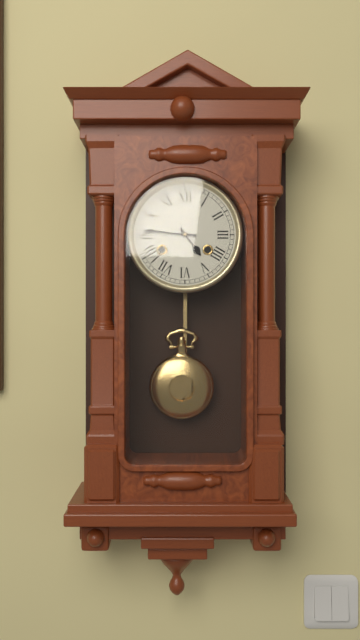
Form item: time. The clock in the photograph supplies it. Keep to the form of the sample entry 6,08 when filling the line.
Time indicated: 4,46
